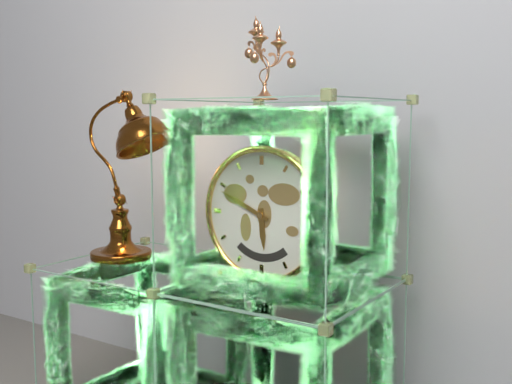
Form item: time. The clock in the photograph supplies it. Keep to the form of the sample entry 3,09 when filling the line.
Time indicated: 5,49
